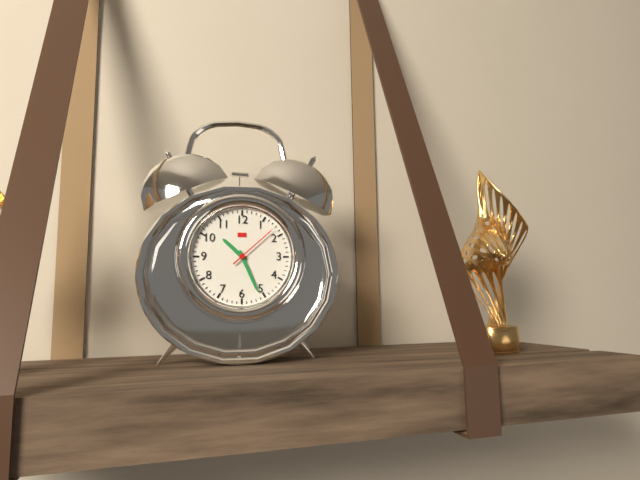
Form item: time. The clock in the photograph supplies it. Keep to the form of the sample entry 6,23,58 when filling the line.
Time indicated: 10,26,08
